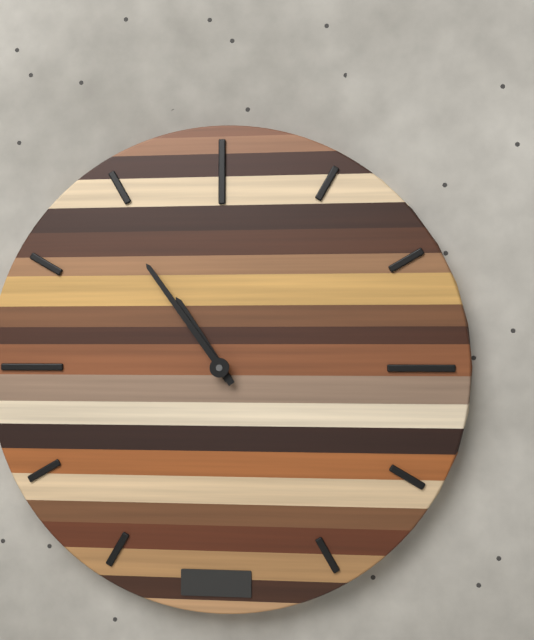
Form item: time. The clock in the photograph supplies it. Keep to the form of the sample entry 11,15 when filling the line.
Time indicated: 10,54
